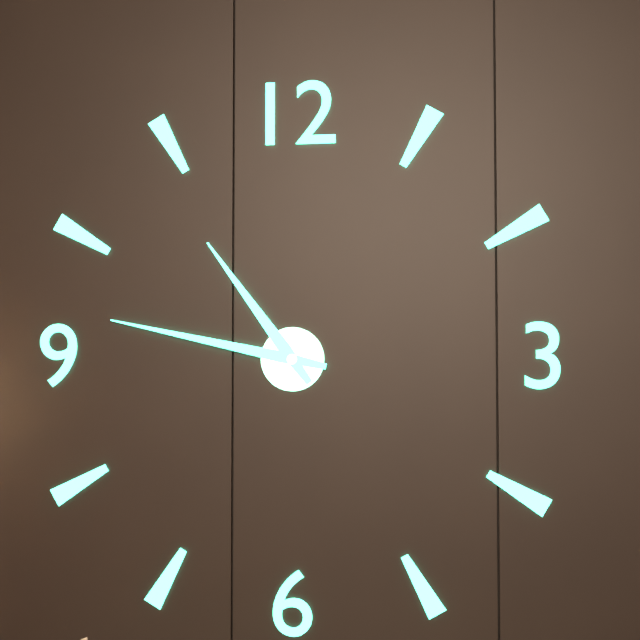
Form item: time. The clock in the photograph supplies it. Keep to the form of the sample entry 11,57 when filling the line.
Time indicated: 10,47
